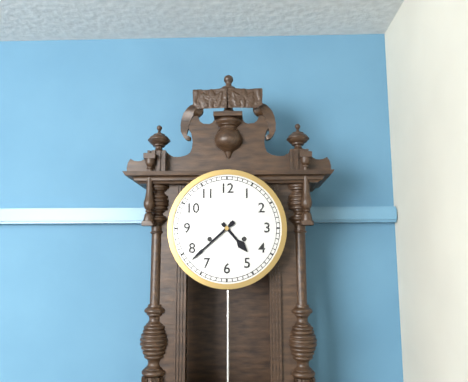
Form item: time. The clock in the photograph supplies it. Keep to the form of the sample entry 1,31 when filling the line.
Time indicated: 4,38
